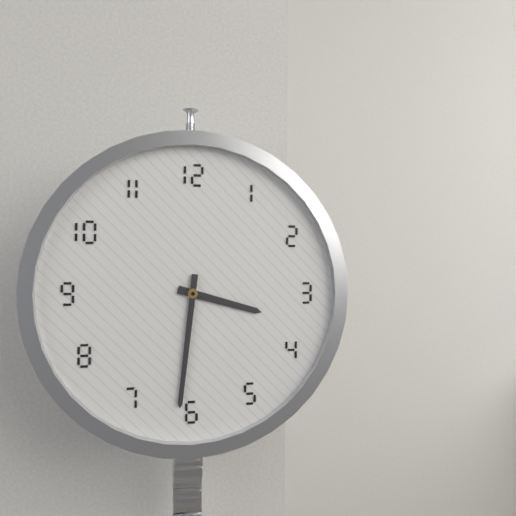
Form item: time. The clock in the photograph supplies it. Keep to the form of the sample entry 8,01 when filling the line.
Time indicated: 3,31
